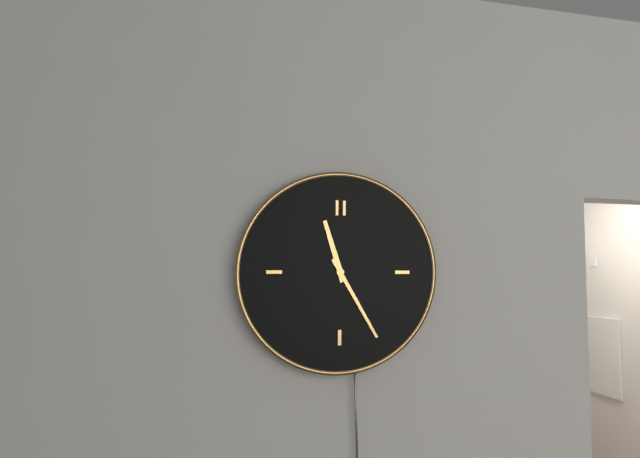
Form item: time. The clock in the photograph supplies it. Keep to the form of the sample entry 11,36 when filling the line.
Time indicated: 11,25
